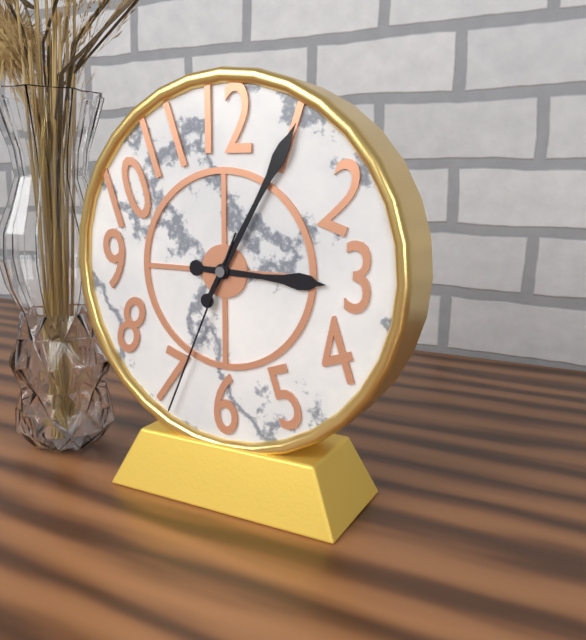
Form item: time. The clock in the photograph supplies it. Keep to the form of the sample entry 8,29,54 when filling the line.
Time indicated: 3,05,34
